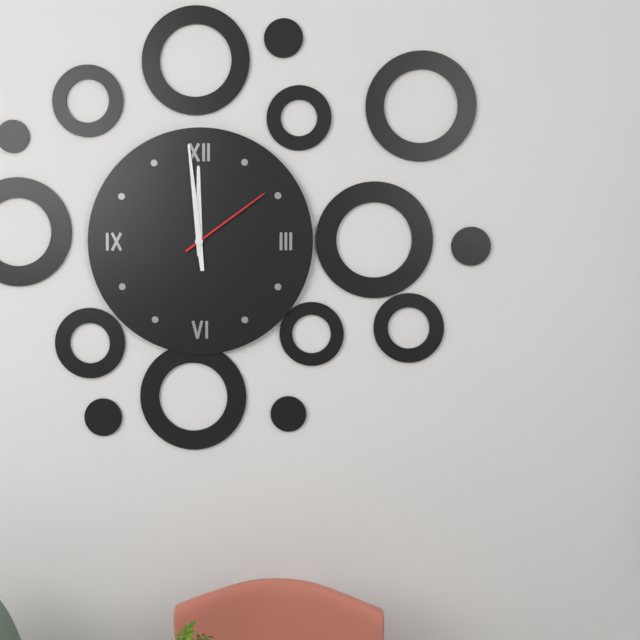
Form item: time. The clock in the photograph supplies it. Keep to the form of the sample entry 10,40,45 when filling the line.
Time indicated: 11,59,09
